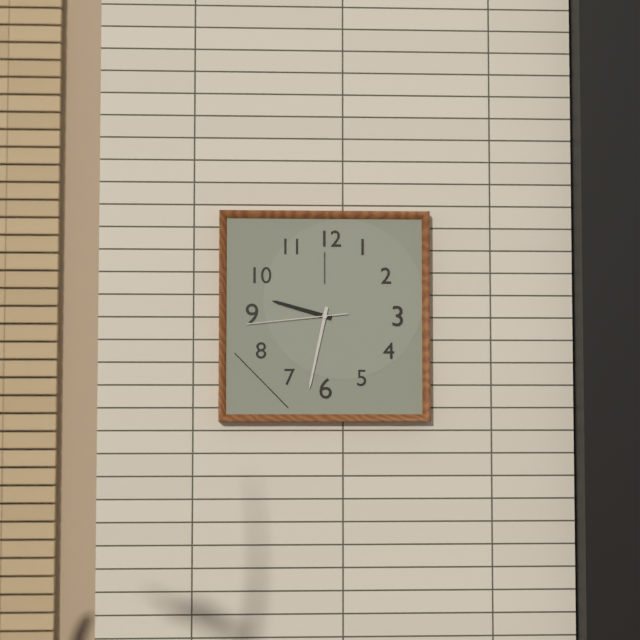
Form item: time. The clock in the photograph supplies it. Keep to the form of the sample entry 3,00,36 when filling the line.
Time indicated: 9,32,44
